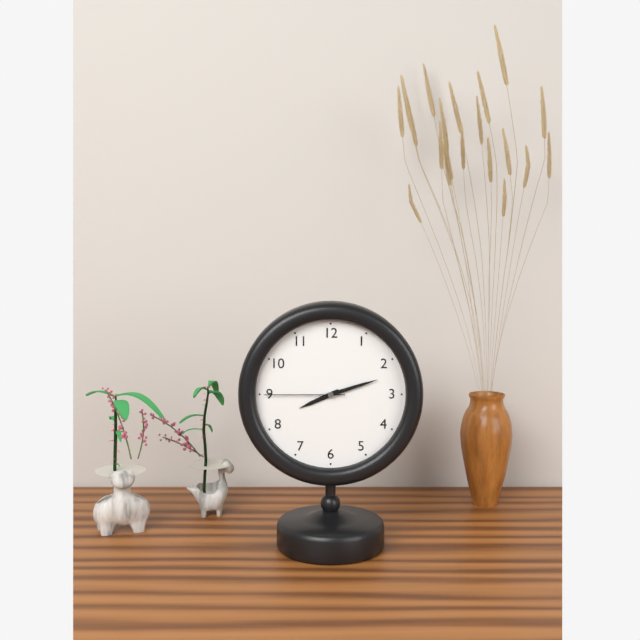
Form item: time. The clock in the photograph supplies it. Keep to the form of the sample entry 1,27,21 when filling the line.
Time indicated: 8,12,45
